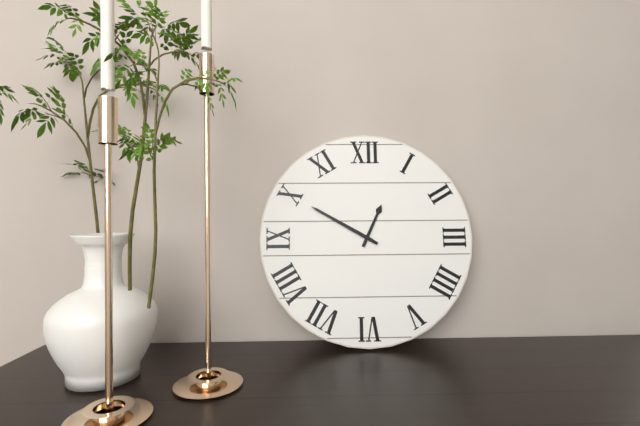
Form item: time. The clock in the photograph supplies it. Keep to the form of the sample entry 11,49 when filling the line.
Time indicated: 12,50
